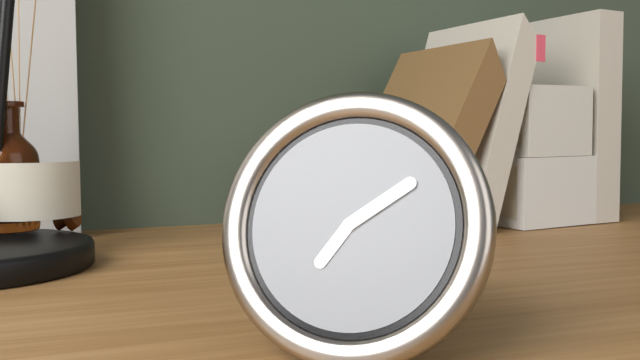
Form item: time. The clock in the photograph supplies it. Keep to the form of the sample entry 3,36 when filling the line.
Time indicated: 7,09
